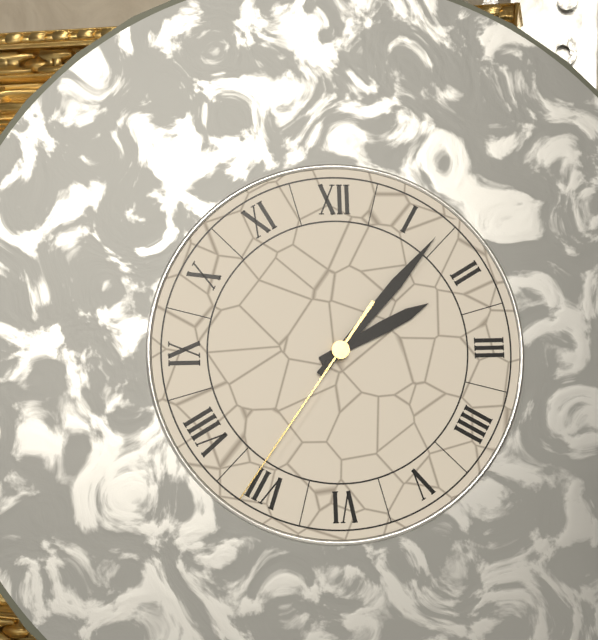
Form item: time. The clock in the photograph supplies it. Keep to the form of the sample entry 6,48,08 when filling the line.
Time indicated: 2,07,36
